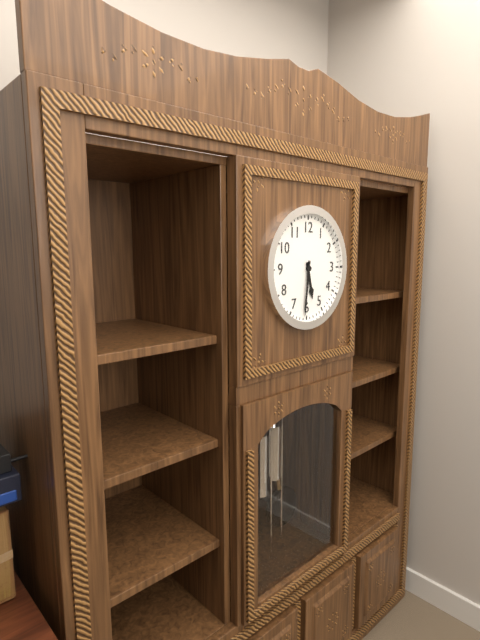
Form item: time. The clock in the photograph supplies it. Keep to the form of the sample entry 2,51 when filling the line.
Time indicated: 5,31
